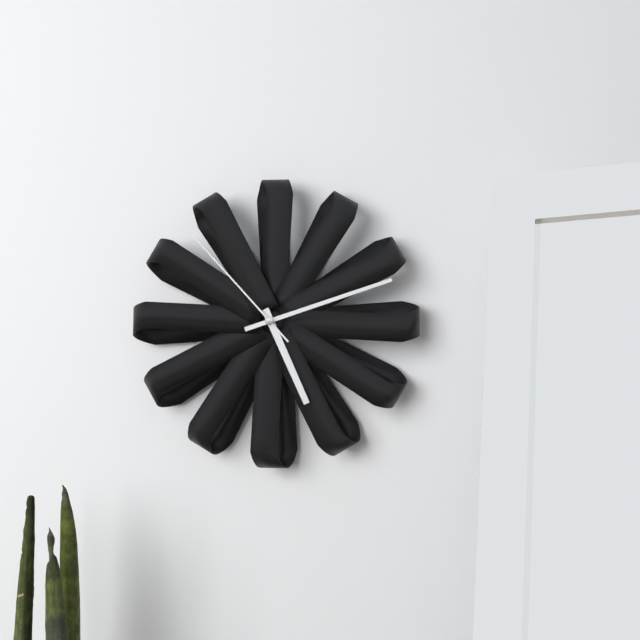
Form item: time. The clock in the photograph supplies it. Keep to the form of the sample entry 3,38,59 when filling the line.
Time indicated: 5,12,53
